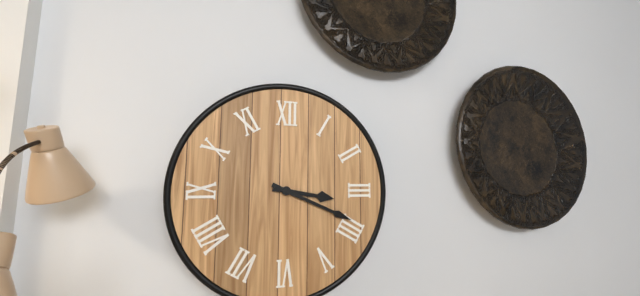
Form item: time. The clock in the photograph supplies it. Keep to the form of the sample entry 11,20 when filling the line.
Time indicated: 3,19
